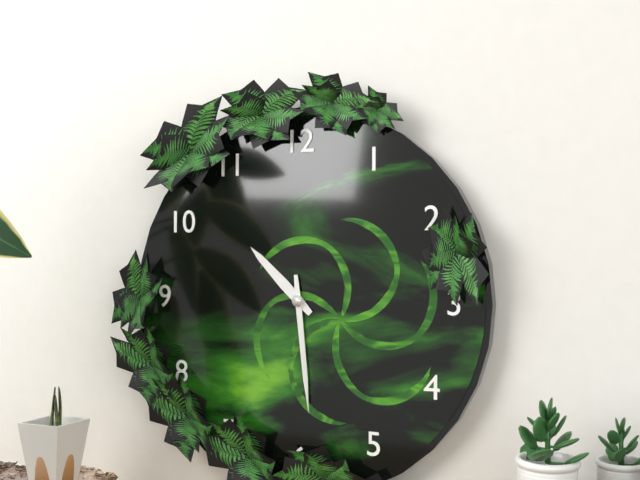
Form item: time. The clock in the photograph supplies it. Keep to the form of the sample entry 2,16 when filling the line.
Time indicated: 10,29
